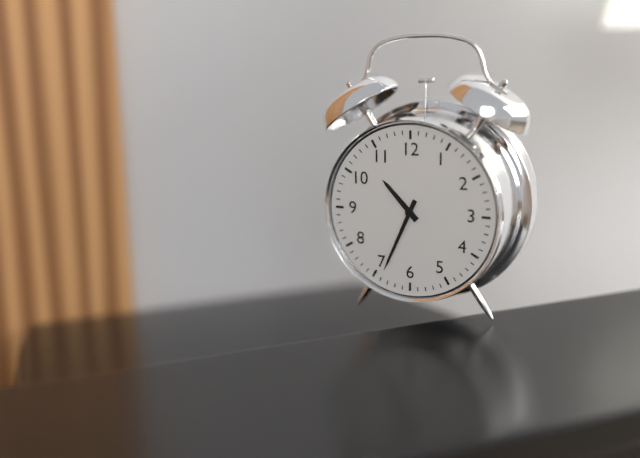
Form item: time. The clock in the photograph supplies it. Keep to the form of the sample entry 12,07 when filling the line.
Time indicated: 10,34
